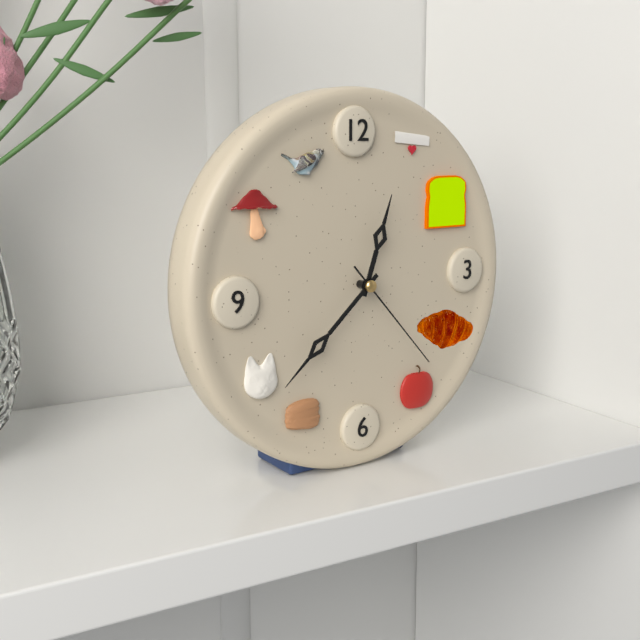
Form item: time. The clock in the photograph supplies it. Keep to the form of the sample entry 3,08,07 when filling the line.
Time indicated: 12,38,23
